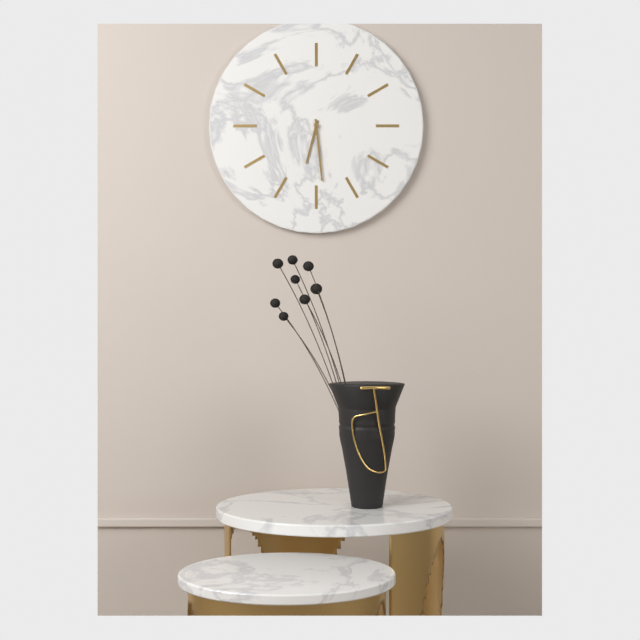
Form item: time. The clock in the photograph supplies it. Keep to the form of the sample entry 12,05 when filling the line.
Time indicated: 6,29
